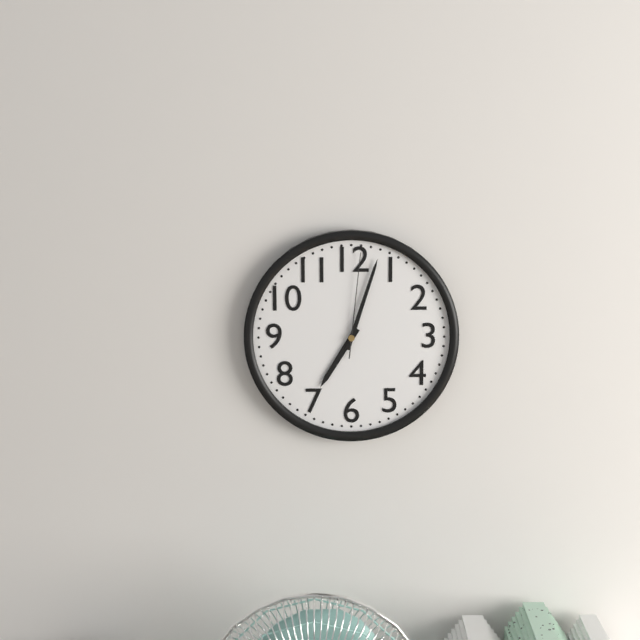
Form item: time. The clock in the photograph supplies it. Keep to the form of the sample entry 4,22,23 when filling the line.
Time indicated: 7,03,01
